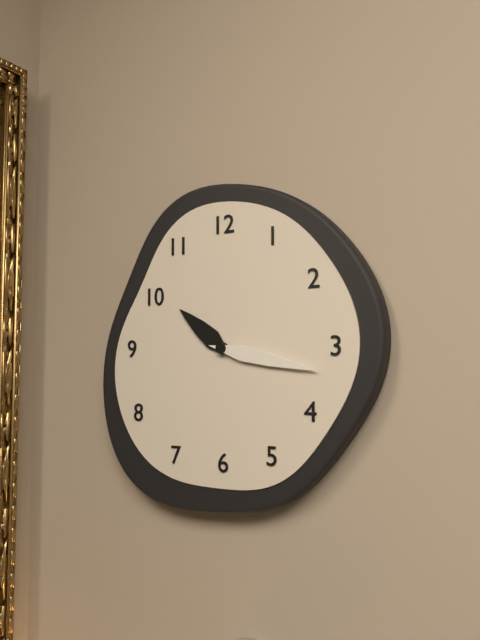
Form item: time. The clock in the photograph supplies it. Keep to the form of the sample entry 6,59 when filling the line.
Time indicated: 10,17
